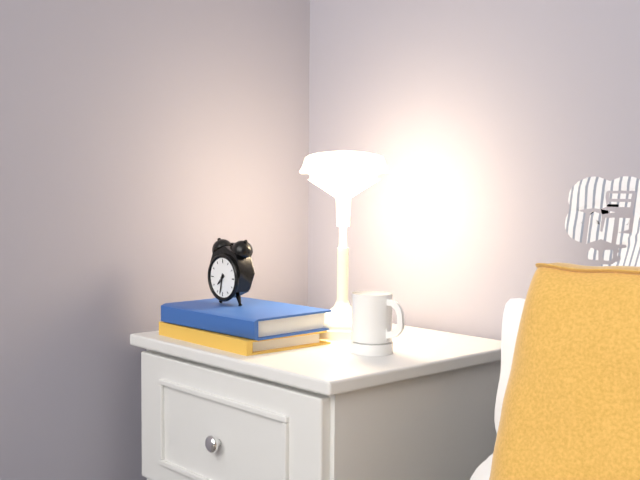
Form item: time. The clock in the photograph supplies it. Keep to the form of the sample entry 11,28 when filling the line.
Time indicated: 7,32
